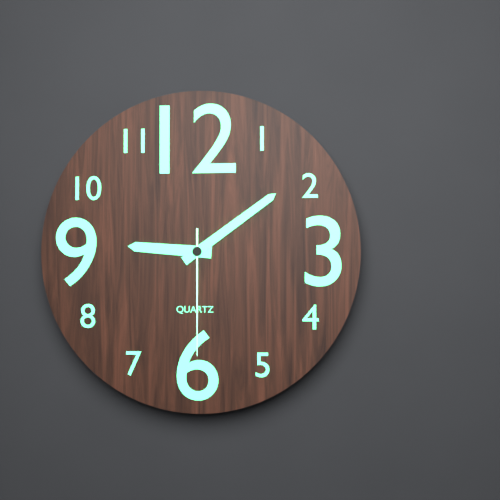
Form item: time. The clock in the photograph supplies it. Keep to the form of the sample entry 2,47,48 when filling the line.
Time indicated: 9,09,30
